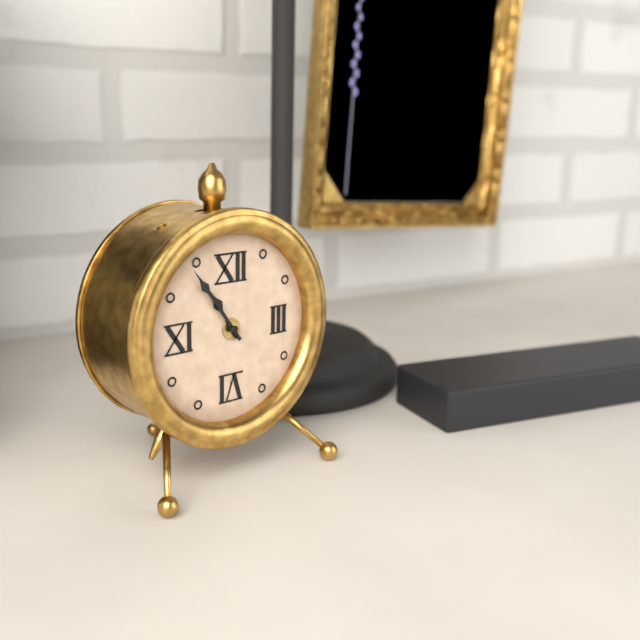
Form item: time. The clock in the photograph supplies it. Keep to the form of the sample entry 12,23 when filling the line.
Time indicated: 10,54
